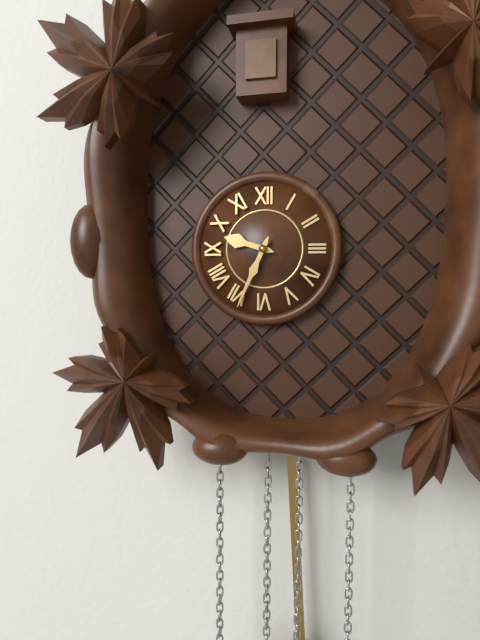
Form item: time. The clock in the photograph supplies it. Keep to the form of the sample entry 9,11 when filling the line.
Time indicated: 9,34
